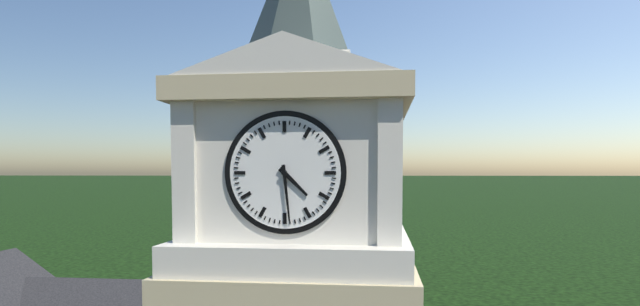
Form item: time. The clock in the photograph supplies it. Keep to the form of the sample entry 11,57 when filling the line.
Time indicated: 4,29
